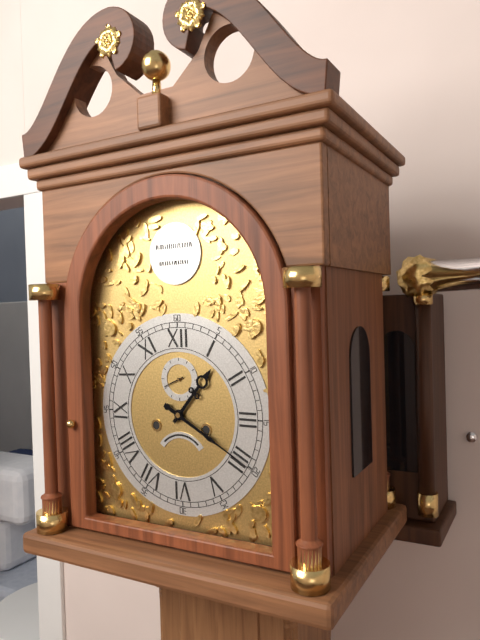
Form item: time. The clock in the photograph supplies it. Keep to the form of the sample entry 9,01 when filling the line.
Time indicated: 1,20
